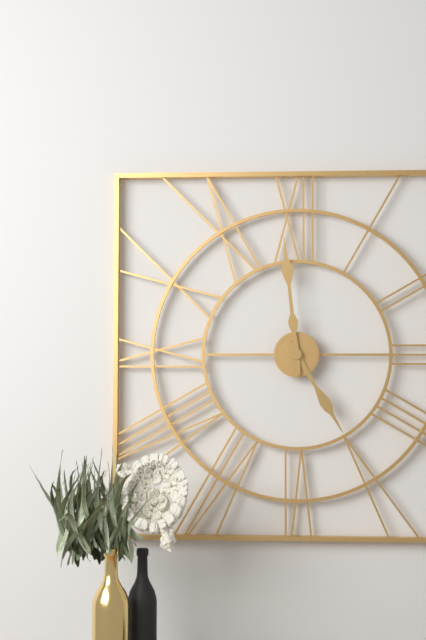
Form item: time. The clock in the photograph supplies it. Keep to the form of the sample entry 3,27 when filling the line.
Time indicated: 4,59
